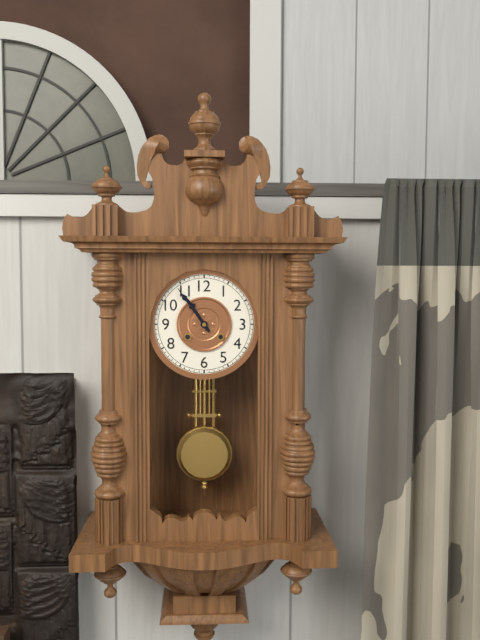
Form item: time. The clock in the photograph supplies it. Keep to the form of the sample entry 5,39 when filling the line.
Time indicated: 10,54
